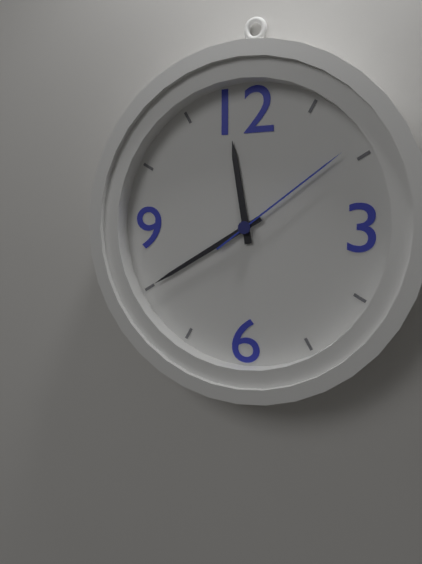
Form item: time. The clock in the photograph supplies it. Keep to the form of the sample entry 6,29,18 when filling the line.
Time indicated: 11,40,09
